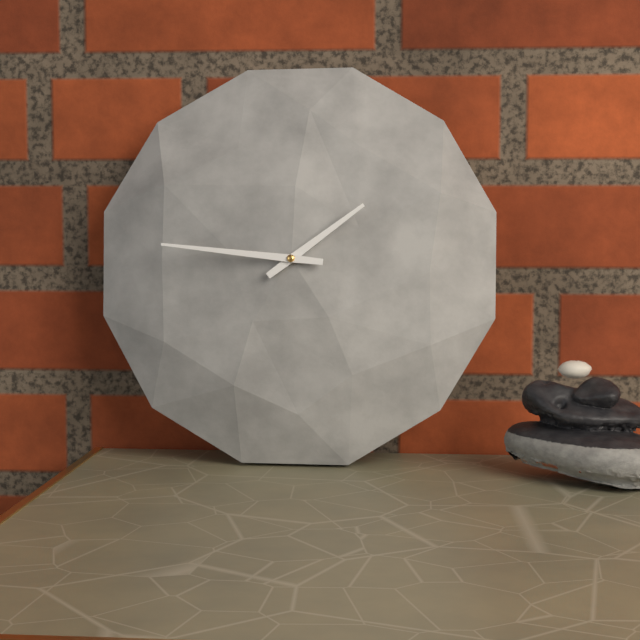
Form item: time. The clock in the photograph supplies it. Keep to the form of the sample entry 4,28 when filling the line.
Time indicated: 1,46
